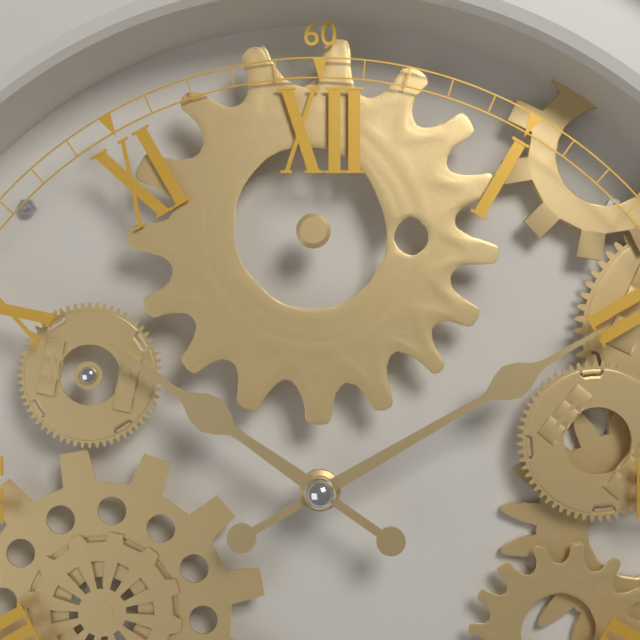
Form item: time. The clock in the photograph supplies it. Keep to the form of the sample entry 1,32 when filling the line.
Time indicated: 10,10
